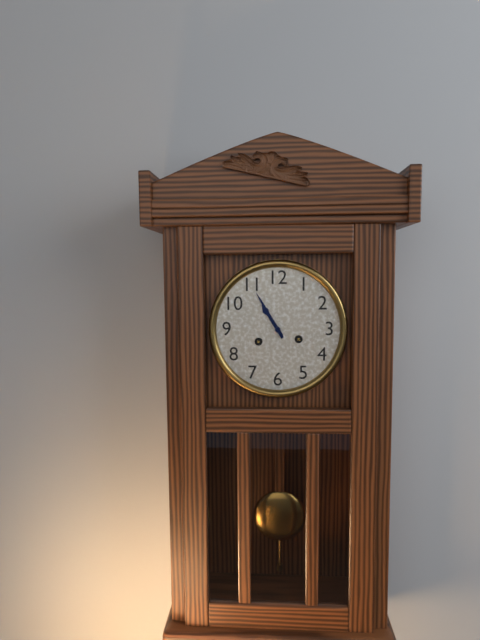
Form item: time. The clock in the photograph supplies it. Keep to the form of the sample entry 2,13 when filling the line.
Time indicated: 10,55
